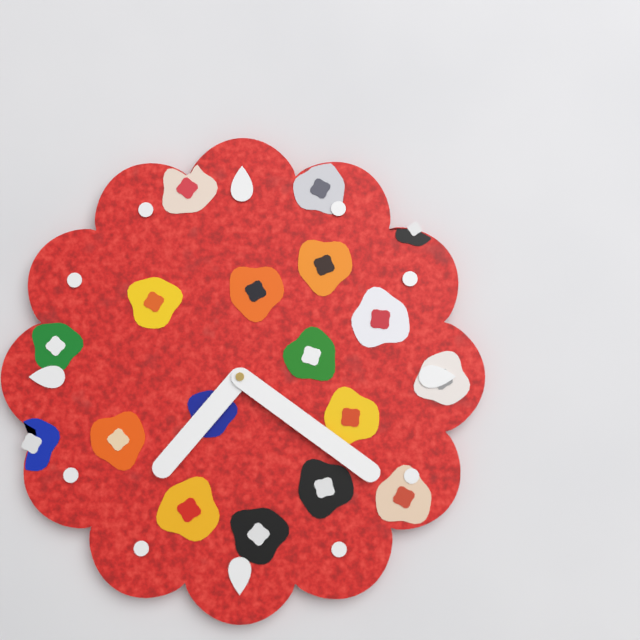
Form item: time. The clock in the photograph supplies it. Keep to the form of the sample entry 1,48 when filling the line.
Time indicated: 7,21
